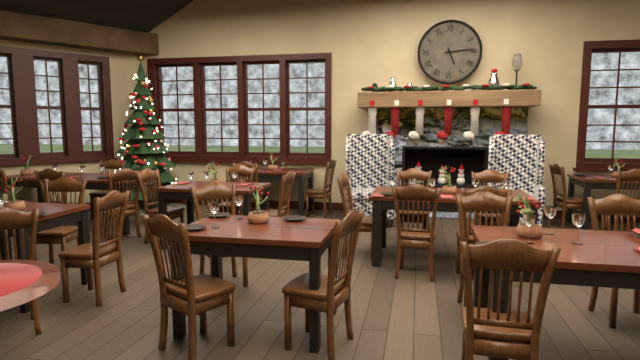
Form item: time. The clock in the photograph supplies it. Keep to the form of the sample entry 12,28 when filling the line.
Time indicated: 5,14
